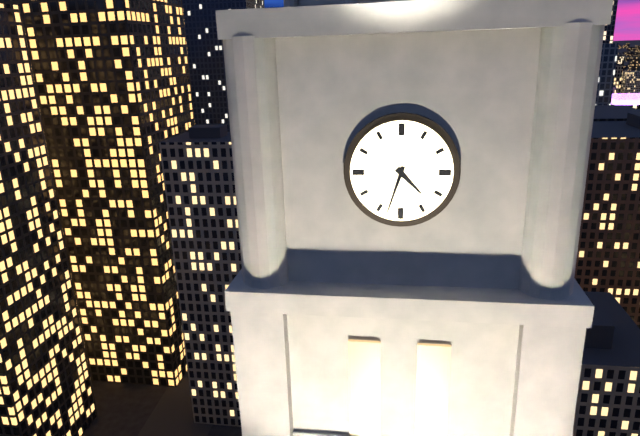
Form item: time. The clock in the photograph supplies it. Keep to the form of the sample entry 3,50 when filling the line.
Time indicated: 4,33
